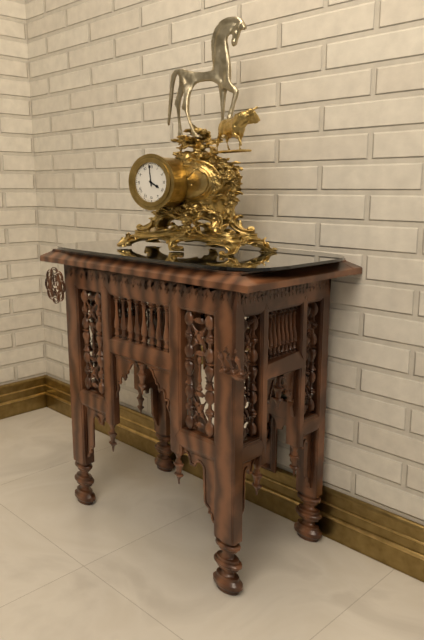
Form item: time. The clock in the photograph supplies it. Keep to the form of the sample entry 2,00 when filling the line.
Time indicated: 3,59
